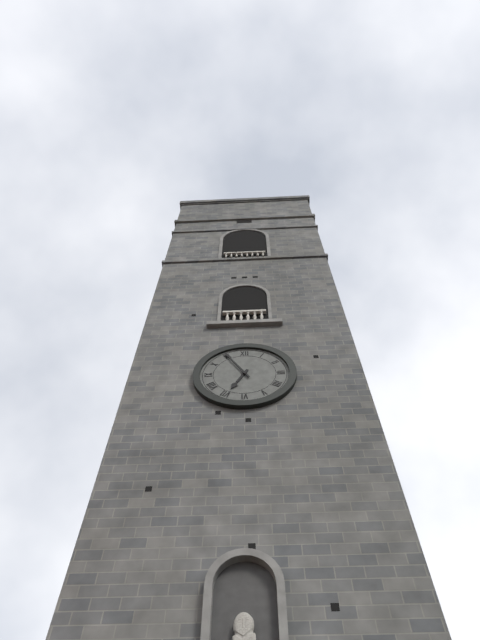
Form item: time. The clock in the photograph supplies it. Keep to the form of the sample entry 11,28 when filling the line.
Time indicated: 6,55
